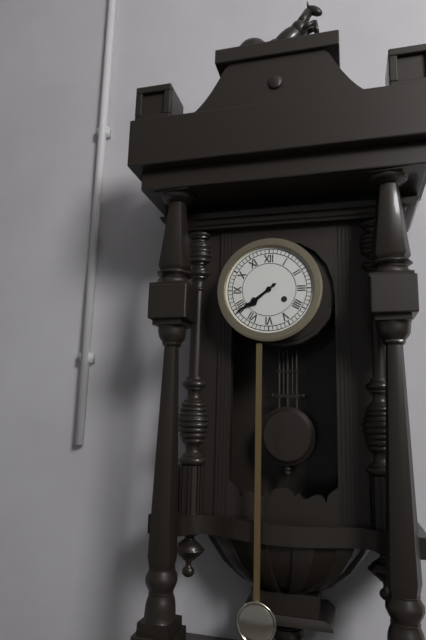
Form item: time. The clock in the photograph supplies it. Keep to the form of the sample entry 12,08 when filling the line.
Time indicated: 7,39
